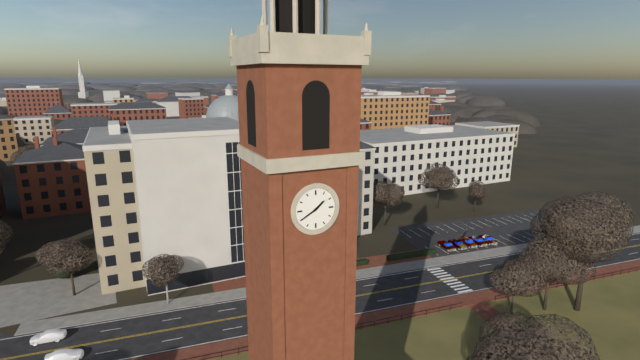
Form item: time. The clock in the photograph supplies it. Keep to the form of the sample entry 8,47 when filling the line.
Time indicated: 1,40
